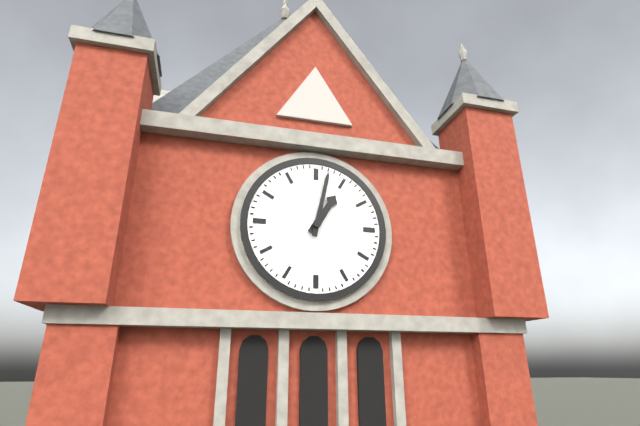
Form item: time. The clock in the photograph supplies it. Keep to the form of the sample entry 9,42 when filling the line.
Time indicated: 1,02
